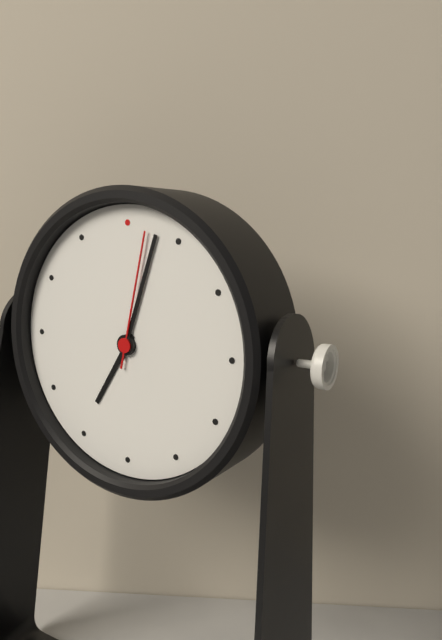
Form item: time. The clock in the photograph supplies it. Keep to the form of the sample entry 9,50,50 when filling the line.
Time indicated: 7,03,02
